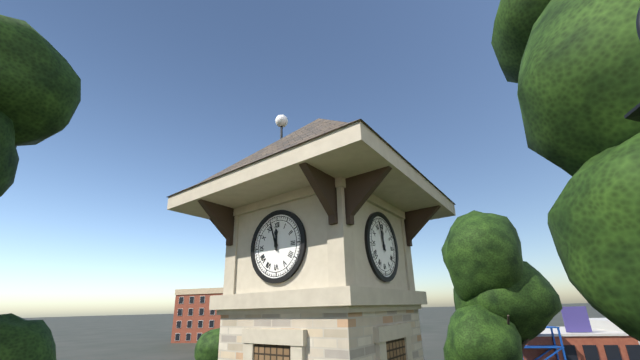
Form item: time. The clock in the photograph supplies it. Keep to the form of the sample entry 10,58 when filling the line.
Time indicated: 11,57
